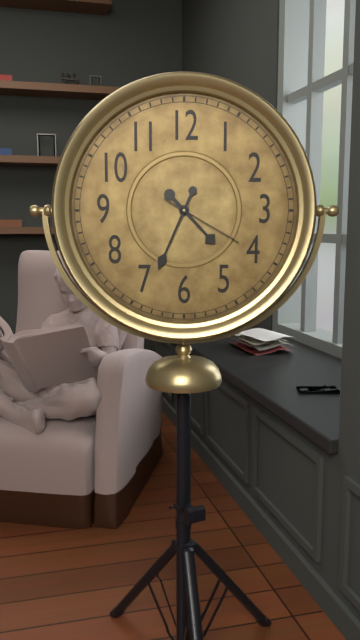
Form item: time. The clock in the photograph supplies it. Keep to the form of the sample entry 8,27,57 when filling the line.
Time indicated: 4,34,20
